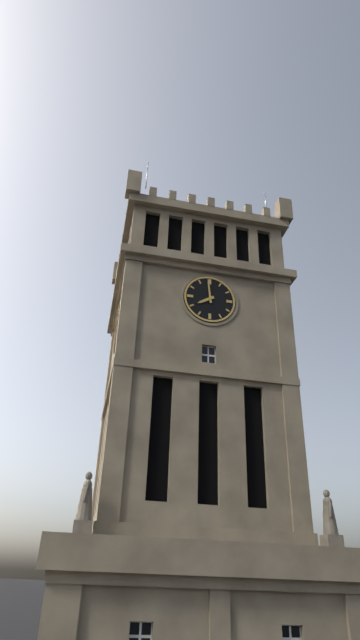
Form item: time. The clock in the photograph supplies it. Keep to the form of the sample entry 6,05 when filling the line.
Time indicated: 7,59
